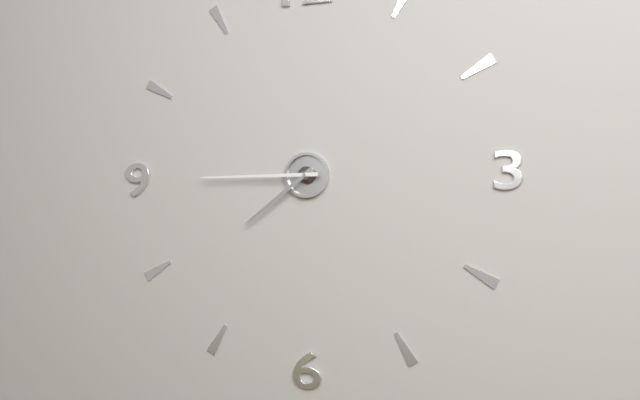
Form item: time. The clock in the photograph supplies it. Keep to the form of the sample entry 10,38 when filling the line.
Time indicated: 7,45
